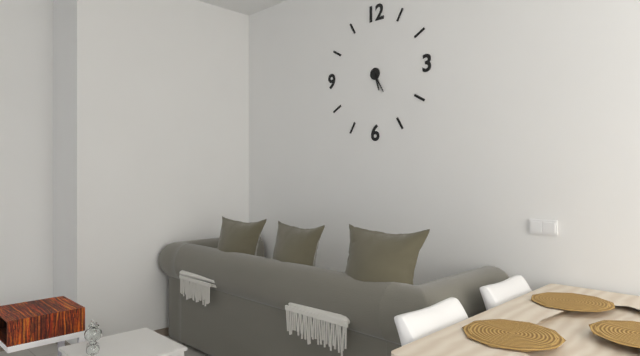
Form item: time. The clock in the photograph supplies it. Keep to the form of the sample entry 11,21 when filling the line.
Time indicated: 5,25
